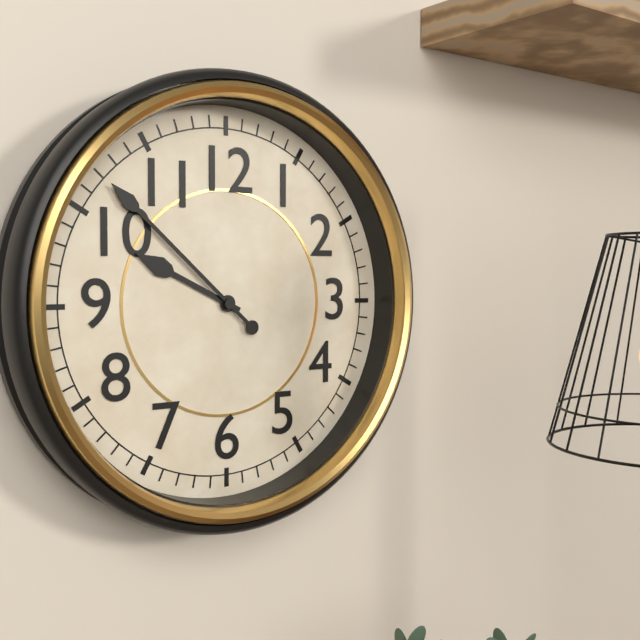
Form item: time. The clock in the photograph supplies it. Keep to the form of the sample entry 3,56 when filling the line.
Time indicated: 9,52
